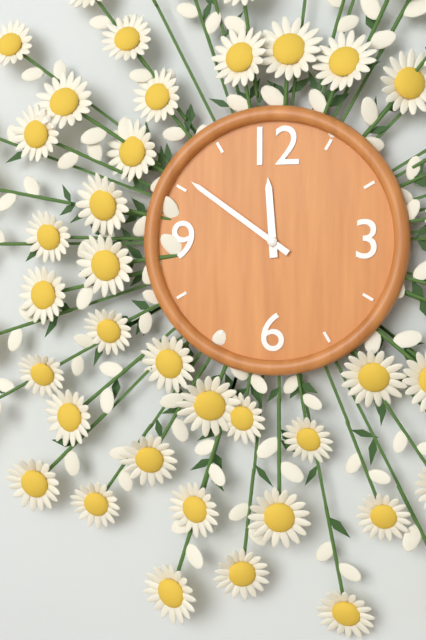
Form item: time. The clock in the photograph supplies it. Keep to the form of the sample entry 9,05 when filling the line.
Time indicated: 11,51
